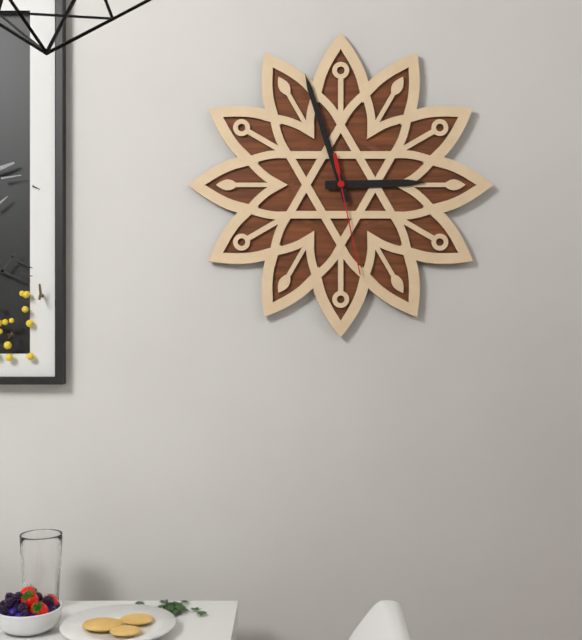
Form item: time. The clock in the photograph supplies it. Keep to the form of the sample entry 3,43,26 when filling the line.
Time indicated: 2,57,28
